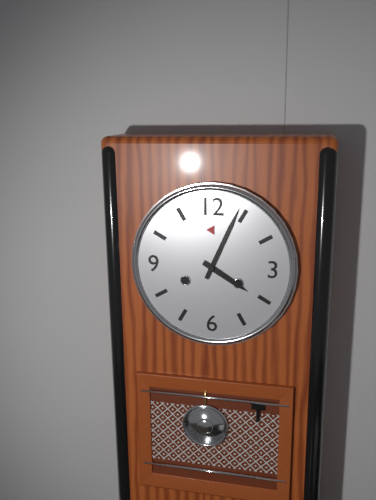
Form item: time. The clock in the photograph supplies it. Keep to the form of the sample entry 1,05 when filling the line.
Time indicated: 4,04
